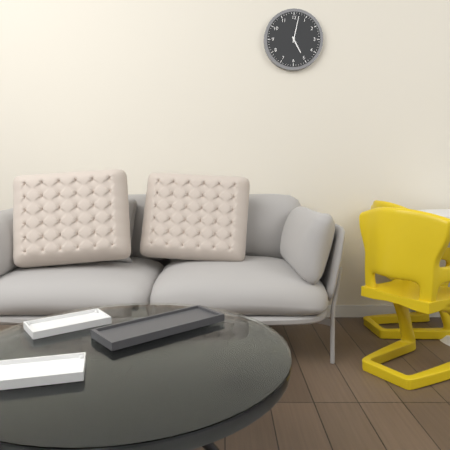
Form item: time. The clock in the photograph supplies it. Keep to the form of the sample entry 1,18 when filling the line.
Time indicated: 5,02
